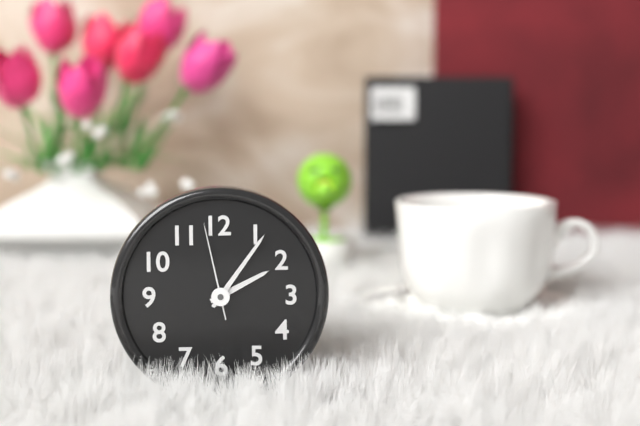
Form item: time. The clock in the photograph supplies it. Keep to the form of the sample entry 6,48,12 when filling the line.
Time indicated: 2,06,58
